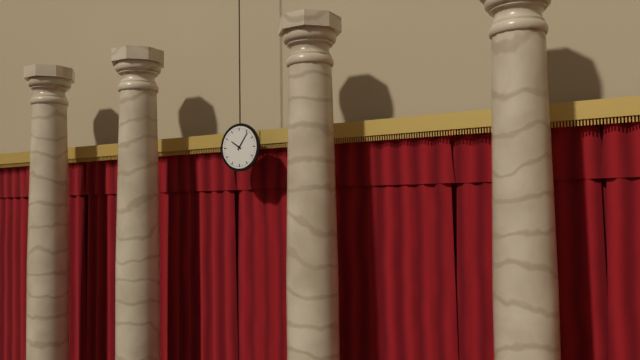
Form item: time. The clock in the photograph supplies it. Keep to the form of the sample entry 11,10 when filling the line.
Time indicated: 10,06
